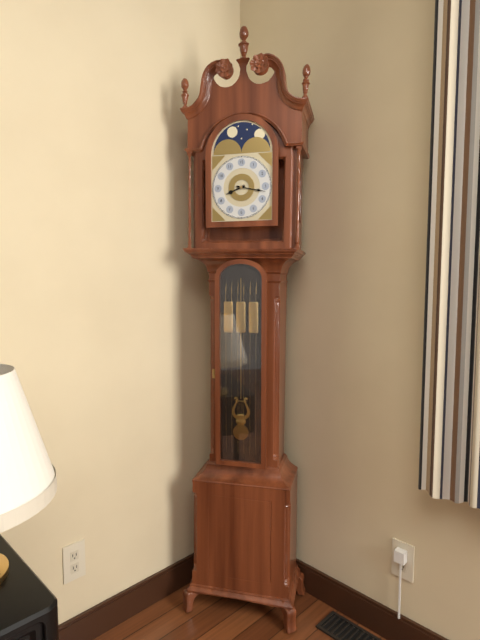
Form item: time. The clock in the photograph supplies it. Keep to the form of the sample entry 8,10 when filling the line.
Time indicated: 8,17
